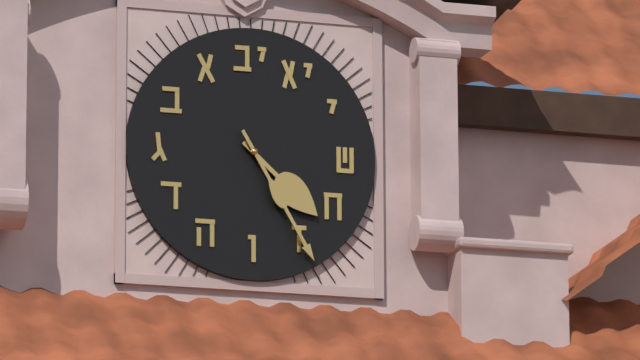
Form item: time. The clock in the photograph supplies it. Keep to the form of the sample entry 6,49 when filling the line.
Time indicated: 4,25
